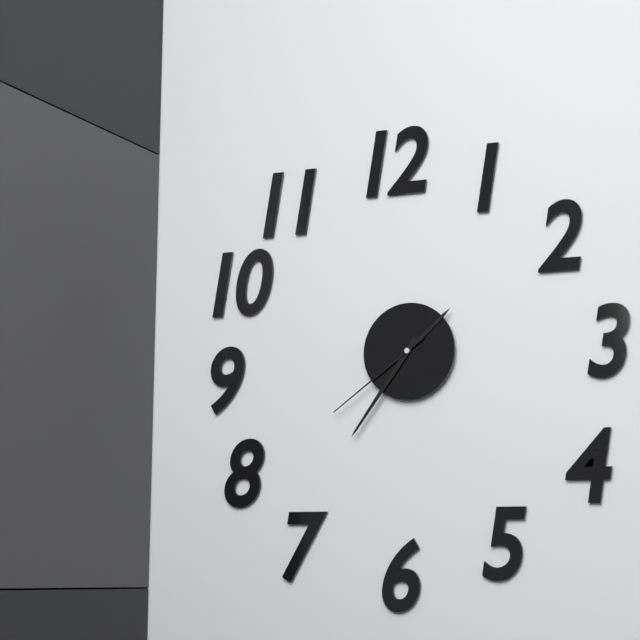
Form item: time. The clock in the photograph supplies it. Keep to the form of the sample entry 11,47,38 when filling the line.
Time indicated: 1,36,39
